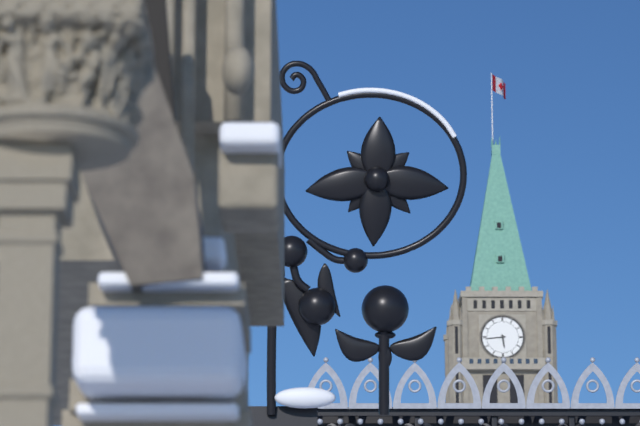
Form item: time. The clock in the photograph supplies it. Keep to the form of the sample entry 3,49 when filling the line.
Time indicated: 5,44
